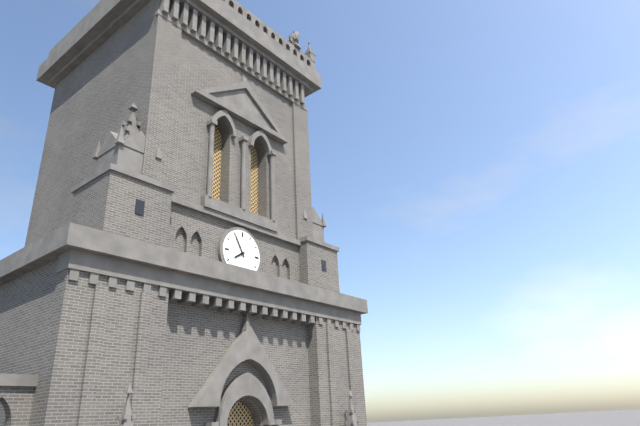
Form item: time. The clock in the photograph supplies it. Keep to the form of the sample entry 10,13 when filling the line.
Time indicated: 7,55
